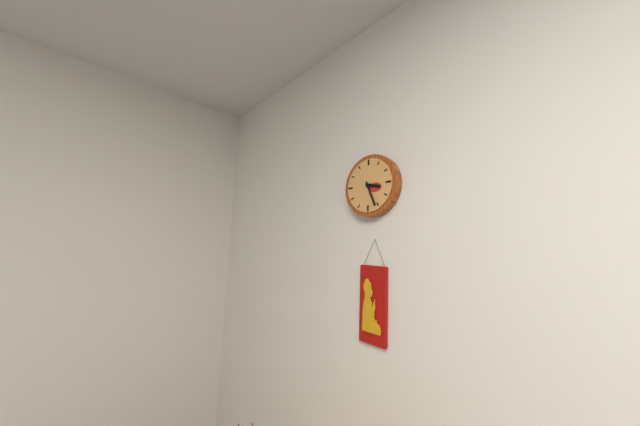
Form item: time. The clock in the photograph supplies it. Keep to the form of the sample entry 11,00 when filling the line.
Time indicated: 3,26
